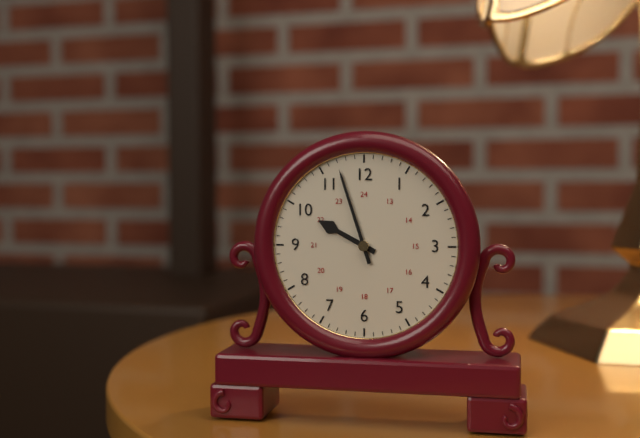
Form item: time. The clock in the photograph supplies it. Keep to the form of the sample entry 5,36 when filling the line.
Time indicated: 9,57
